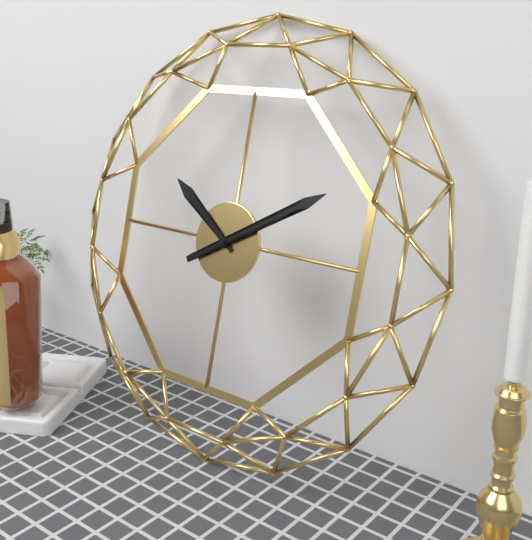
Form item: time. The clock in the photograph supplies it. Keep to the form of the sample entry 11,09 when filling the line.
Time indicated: 10,10
